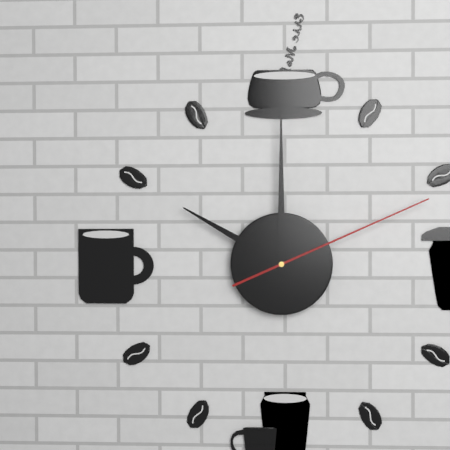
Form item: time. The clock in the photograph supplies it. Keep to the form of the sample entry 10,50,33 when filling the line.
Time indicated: 10,00,11
